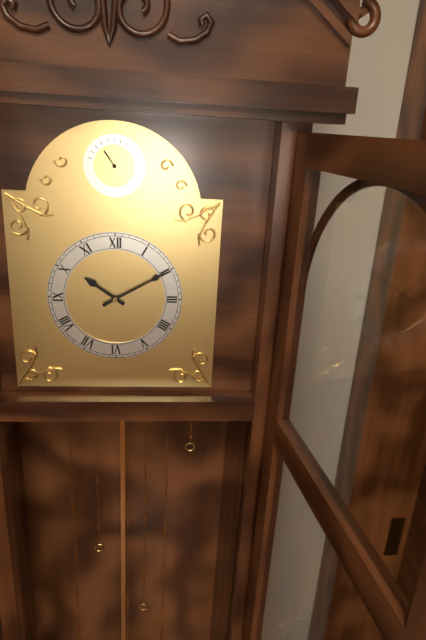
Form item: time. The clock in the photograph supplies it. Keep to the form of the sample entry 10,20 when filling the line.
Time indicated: 10,10
